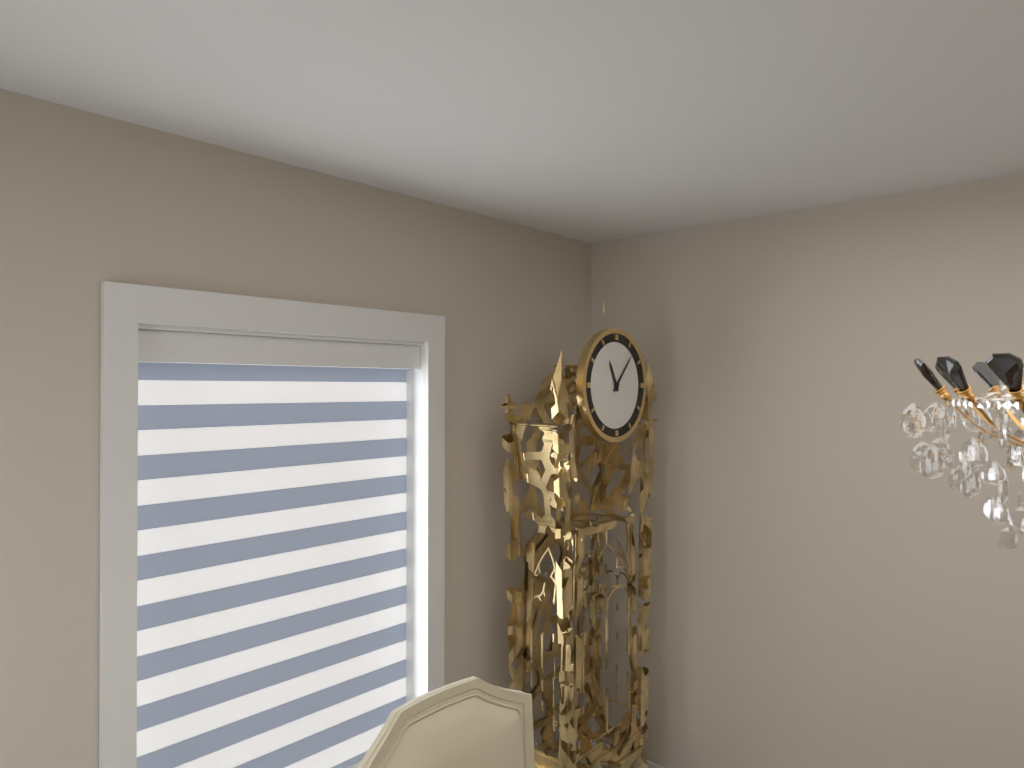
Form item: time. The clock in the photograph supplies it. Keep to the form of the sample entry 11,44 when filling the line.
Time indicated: 11,07
